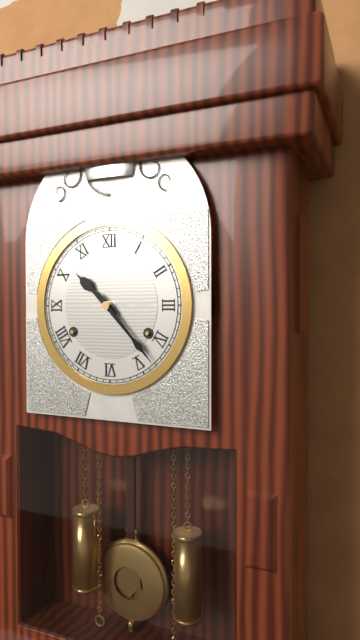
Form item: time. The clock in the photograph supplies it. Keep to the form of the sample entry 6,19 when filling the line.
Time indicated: 10,23
